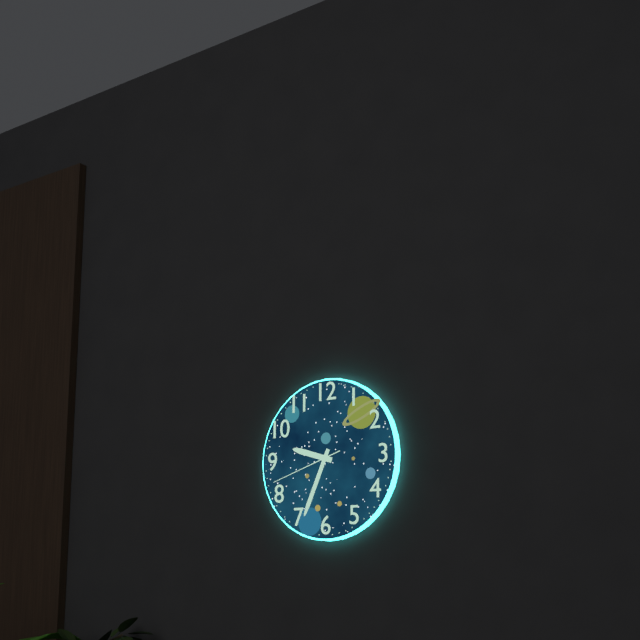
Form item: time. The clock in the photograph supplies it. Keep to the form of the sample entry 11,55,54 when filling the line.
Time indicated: 9,34,42
